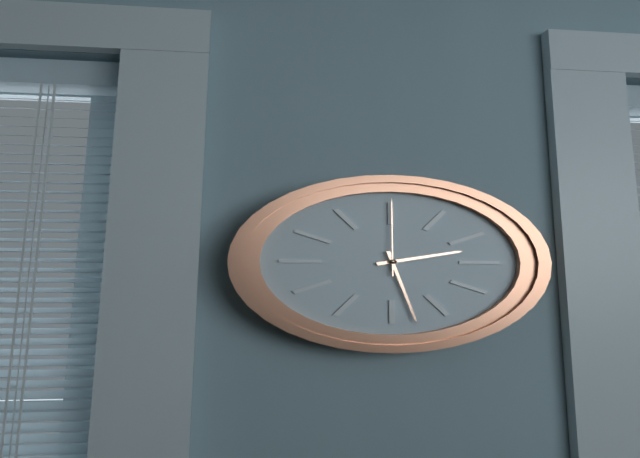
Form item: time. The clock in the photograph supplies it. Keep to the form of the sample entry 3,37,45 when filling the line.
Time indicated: 2,28,00
